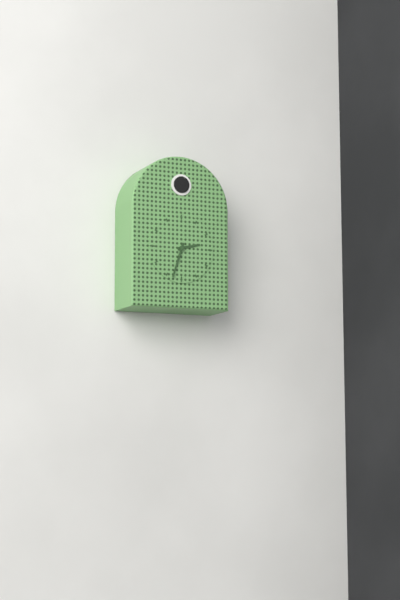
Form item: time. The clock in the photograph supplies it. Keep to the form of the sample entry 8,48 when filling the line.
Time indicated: 2,33
